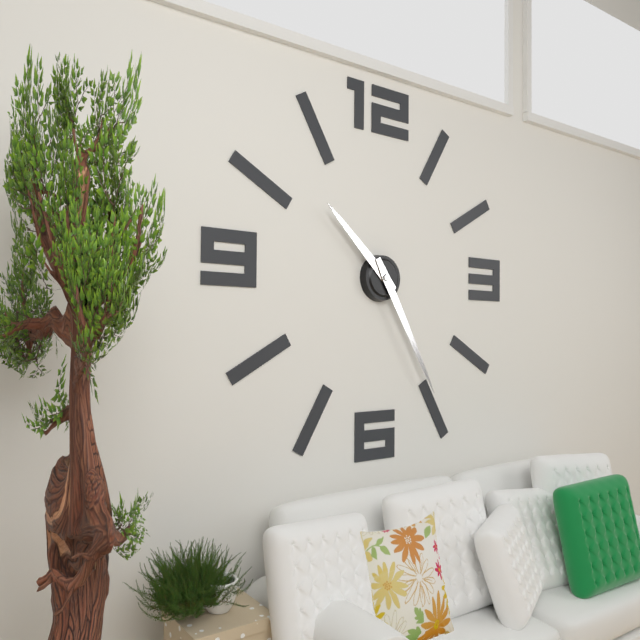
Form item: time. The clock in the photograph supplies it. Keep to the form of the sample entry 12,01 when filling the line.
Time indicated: 10,25
